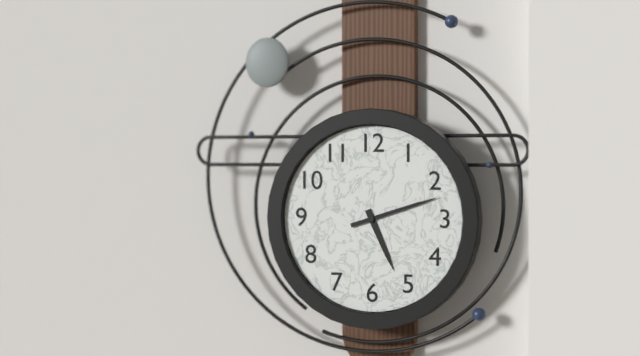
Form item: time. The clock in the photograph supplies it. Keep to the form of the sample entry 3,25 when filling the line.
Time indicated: 5,12
